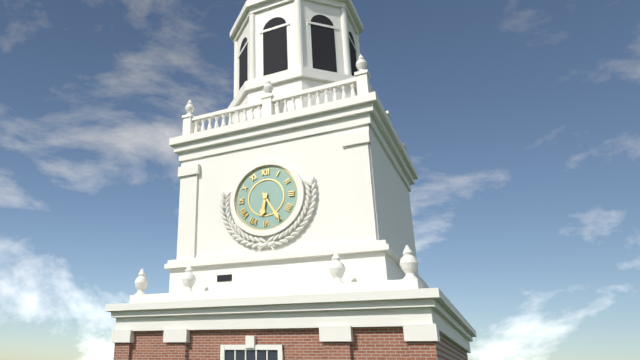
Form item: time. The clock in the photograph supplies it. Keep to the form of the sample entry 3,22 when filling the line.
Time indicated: 6,25
